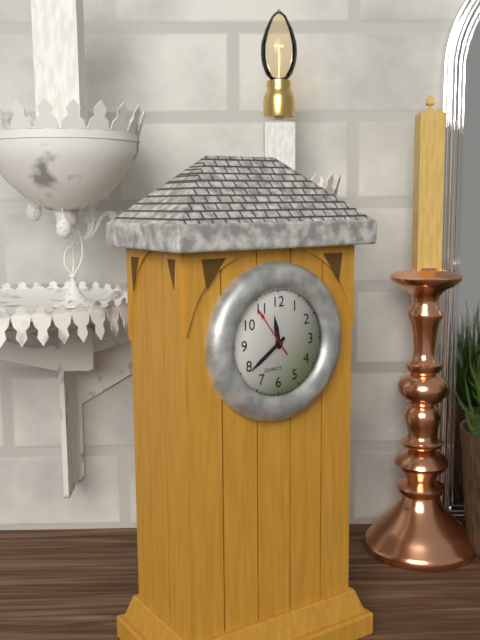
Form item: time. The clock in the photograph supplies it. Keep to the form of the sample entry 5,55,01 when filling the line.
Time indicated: 11,39,54
